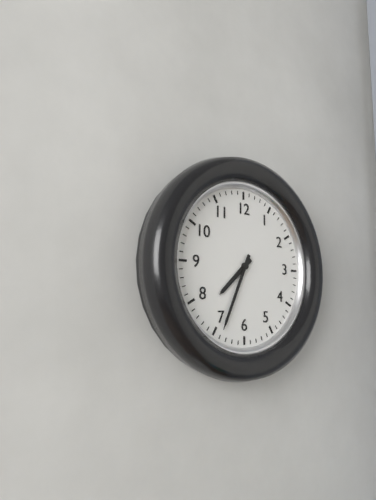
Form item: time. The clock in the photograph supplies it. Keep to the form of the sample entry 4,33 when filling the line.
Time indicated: 7,34
